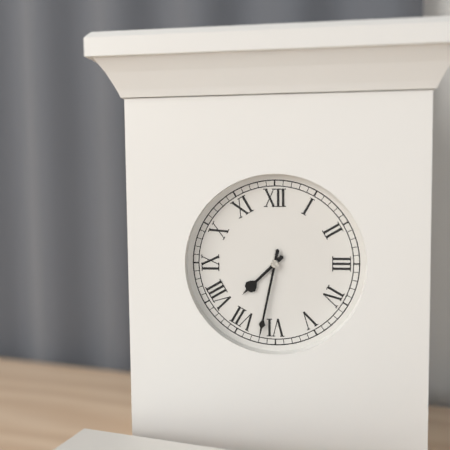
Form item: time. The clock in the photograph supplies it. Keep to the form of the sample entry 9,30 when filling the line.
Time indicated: 7,32
